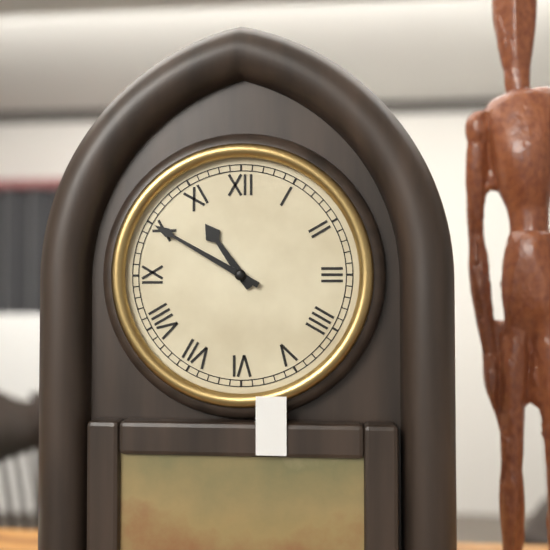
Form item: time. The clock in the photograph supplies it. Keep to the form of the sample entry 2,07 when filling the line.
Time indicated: 10,50
